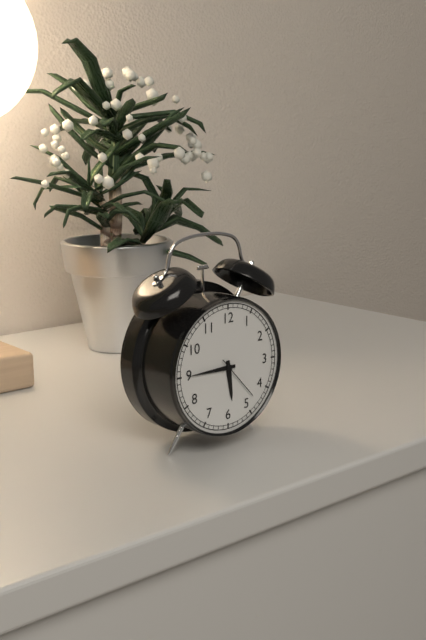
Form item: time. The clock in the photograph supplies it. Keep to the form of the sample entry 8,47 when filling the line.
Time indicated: 5,45
